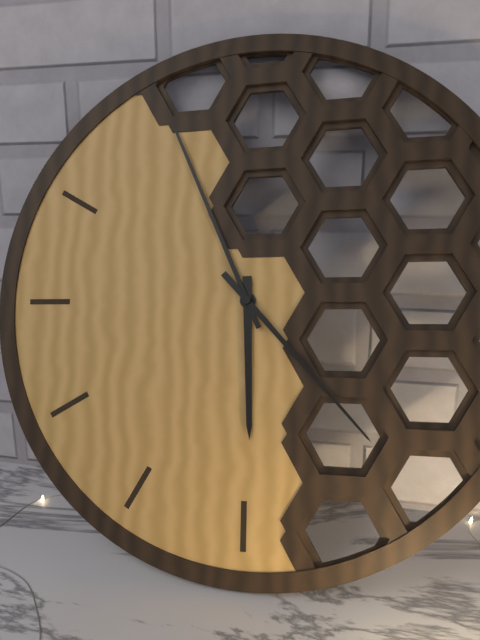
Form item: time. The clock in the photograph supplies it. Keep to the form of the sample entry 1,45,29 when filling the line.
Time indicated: 5,56,23
